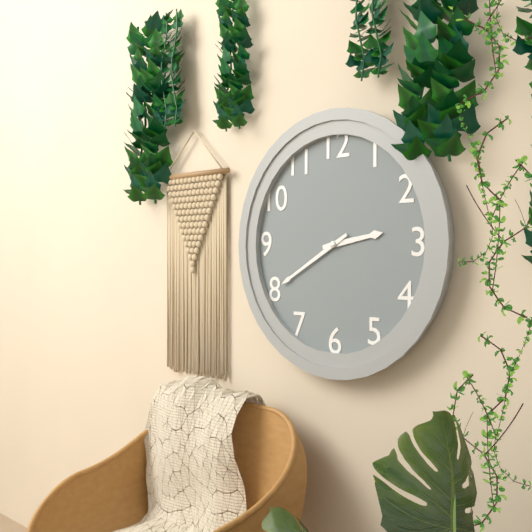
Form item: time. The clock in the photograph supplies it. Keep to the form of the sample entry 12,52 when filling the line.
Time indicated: 2,40
